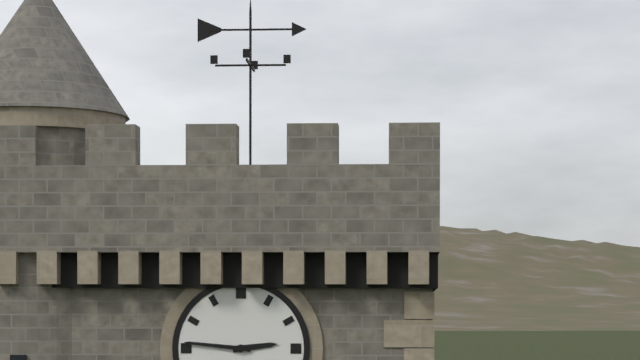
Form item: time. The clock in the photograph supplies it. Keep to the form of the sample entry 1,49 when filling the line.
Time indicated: 2,46
